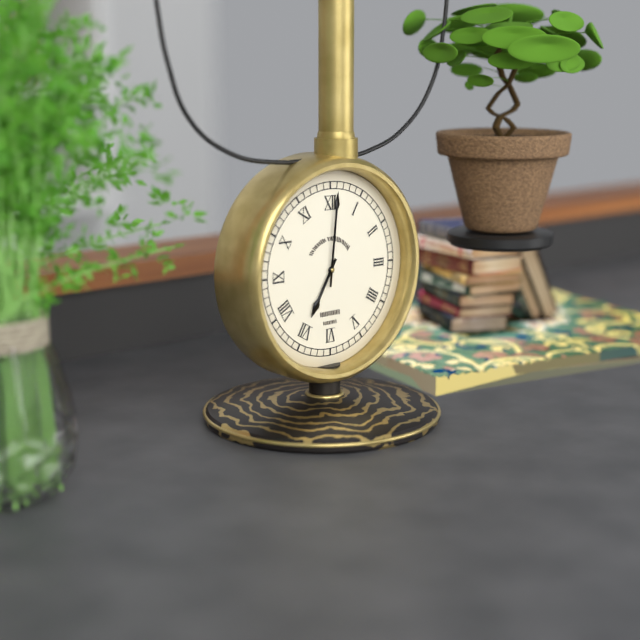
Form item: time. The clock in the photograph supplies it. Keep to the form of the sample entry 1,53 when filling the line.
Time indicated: 7,01
